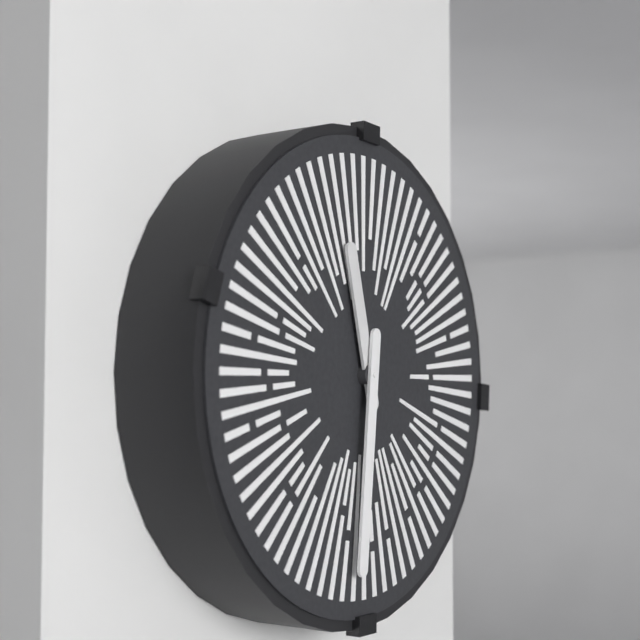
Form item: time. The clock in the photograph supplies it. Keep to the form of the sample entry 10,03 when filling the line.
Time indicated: 11,31
